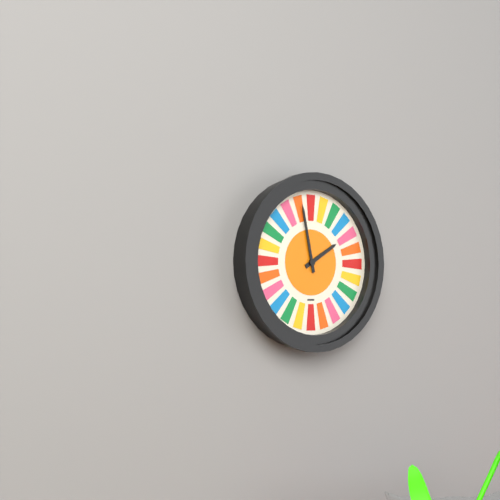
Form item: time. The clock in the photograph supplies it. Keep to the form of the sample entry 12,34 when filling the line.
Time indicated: 1,58
